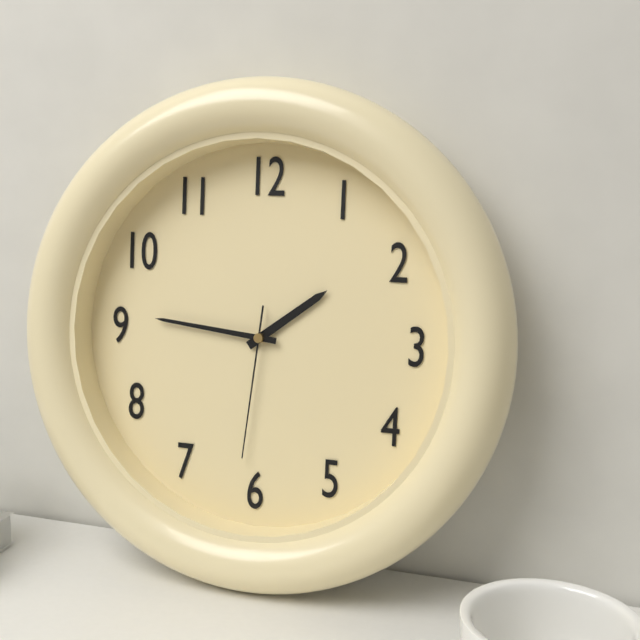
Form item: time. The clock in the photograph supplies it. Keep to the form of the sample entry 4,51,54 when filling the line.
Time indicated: 1,46,31
